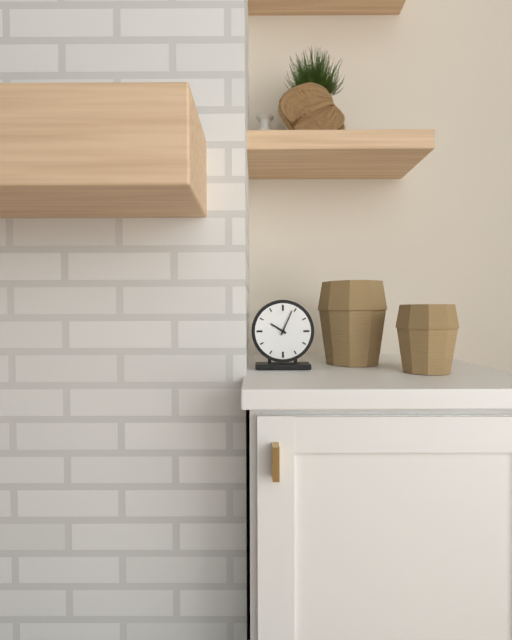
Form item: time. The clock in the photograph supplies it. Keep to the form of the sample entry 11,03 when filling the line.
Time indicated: 10,04
